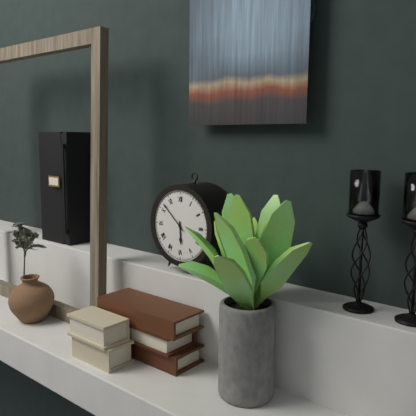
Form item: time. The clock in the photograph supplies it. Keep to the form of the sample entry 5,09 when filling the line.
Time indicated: 5,52
